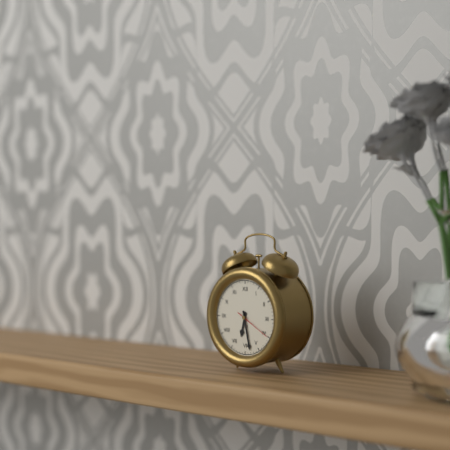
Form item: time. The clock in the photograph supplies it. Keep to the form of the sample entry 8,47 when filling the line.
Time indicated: 6,28
